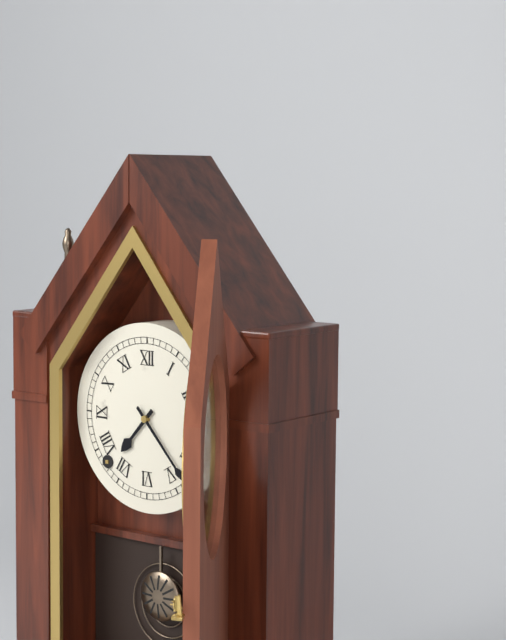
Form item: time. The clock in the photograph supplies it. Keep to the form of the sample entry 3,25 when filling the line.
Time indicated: 7,23
